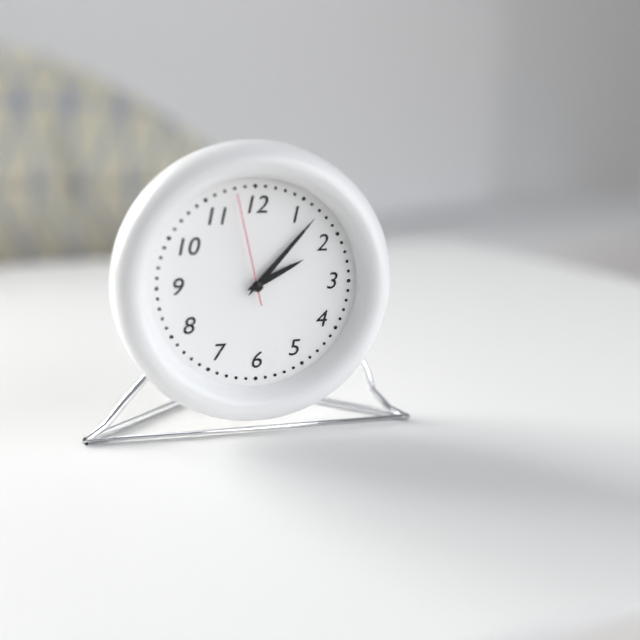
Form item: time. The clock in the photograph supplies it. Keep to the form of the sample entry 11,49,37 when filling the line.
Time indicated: 2,07,58
